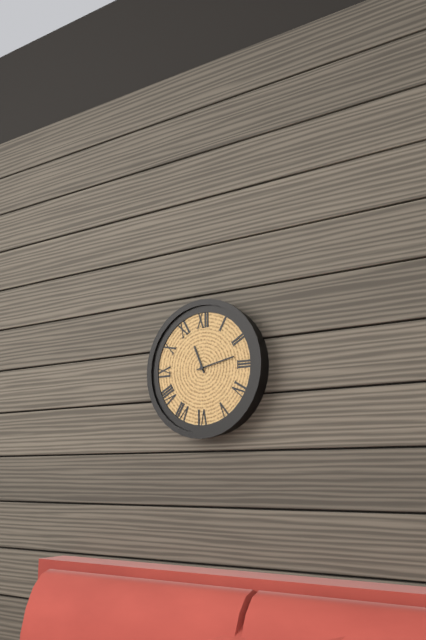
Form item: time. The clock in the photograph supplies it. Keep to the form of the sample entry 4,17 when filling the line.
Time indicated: 11,13
